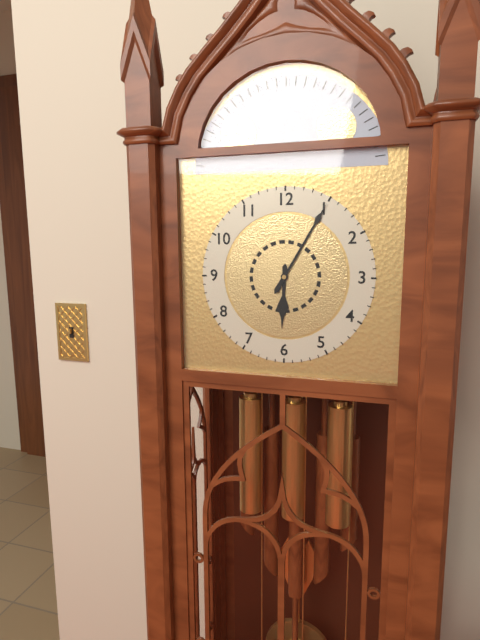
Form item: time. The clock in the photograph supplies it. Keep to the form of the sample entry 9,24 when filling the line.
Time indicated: 6,05
